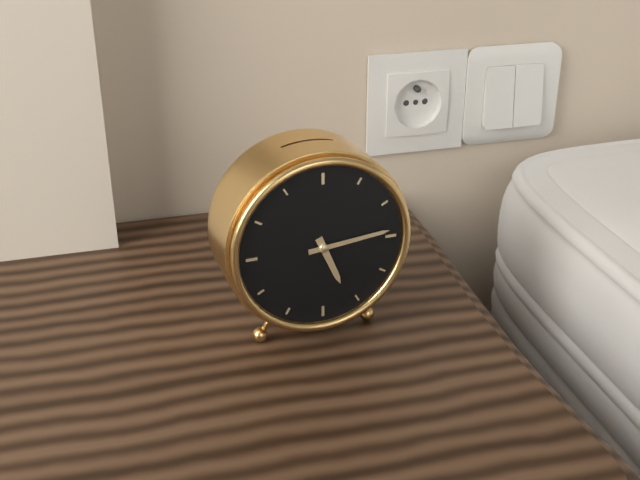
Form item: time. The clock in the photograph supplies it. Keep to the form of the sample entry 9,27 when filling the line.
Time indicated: 5,14
